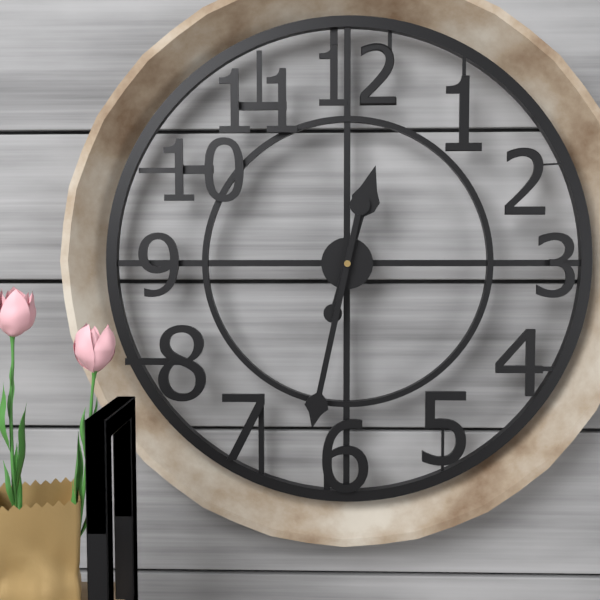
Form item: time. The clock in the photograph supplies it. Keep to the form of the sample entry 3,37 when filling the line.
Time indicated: 12,32
